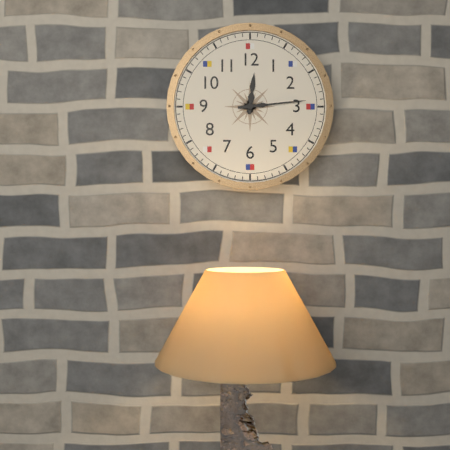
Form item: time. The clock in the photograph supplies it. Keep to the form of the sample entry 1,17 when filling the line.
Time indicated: 12,14
